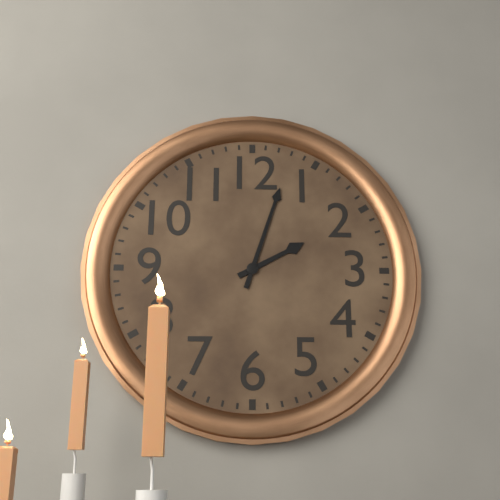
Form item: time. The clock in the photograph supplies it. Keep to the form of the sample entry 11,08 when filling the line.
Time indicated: 2,03
